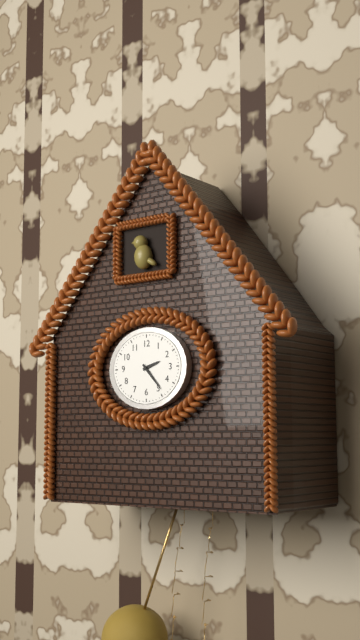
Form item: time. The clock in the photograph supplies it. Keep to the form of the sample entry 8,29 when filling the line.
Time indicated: 2,23
